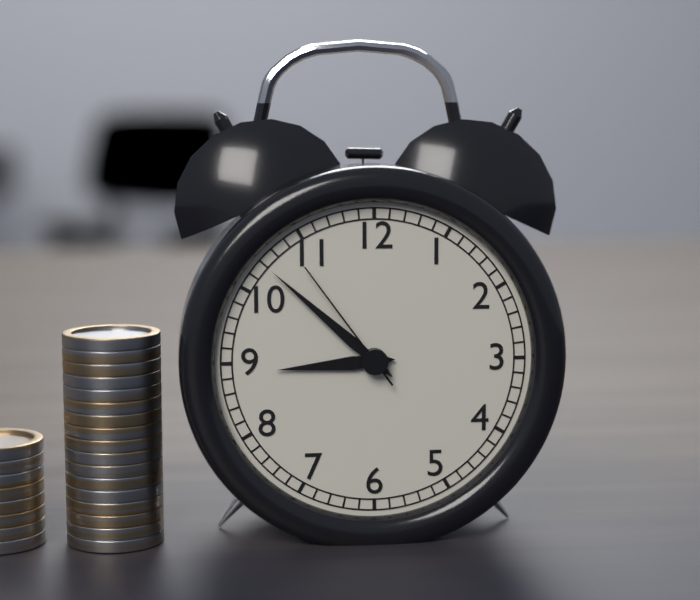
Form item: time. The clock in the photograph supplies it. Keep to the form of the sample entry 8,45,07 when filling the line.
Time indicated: 8,52,54
